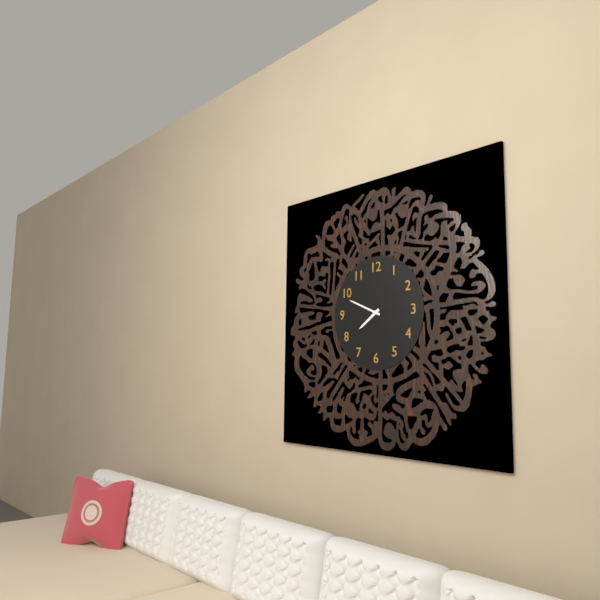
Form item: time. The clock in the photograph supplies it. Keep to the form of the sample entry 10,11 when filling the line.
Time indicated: 7,49
